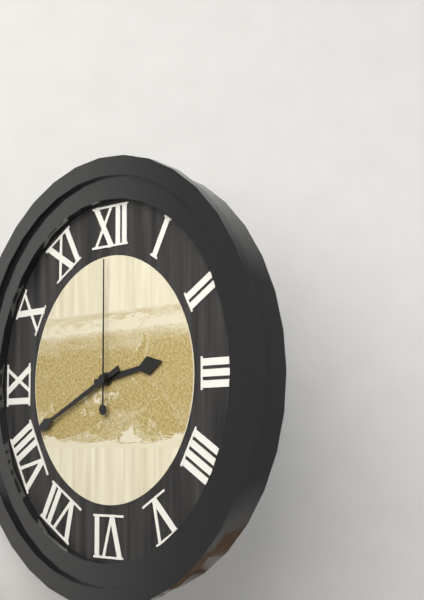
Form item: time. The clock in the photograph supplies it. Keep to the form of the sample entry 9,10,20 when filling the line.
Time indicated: 2,41,00
